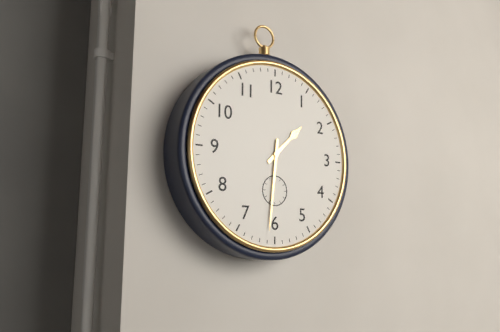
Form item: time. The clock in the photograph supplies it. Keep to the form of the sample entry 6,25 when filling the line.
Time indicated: 1,31
